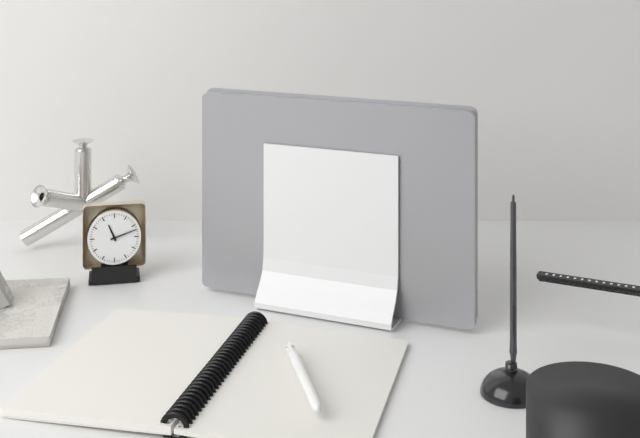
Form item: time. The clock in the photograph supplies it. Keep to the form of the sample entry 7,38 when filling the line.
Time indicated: 11,12
